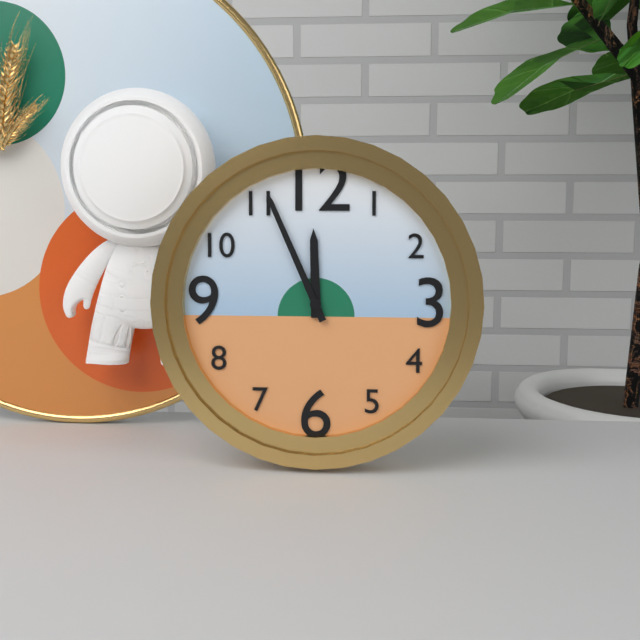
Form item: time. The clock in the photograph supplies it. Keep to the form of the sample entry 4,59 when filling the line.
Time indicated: 11,56
